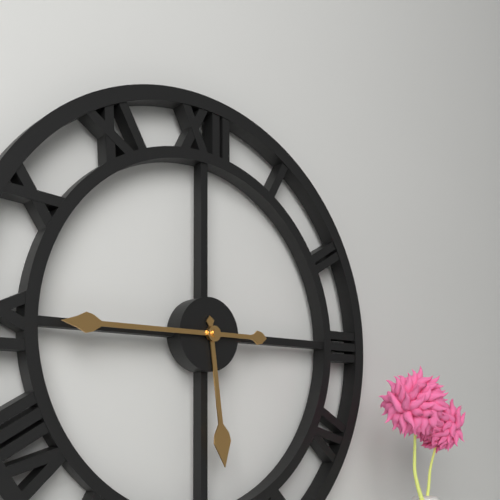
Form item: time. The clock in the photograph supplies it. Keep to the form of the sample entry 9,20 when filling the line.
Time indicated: 5,45
